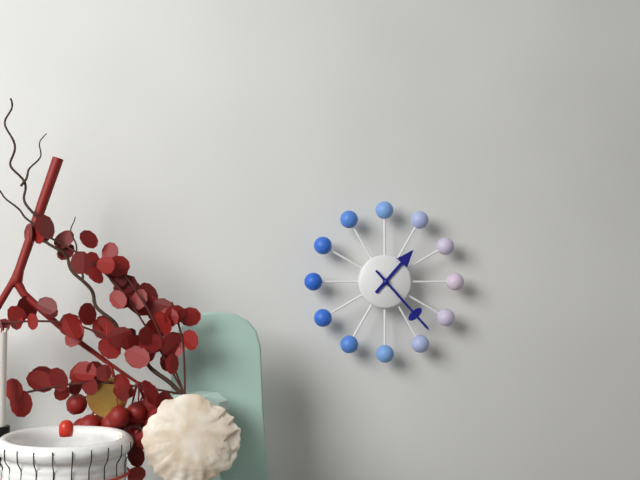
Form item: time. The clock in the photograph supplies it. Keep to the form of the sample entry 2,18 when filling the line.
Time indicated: 1,23
